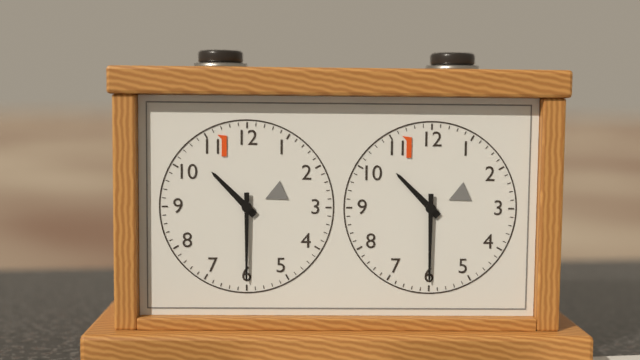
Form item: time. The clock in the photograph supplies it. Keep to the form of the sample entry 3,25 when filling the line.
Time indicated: 10,30
